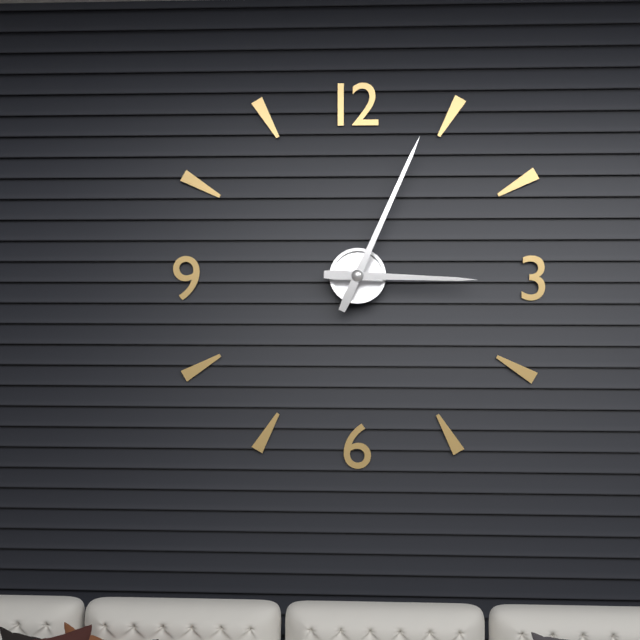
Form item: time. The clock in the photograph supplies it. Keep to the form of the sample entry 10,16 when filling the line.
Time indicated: 3,04
